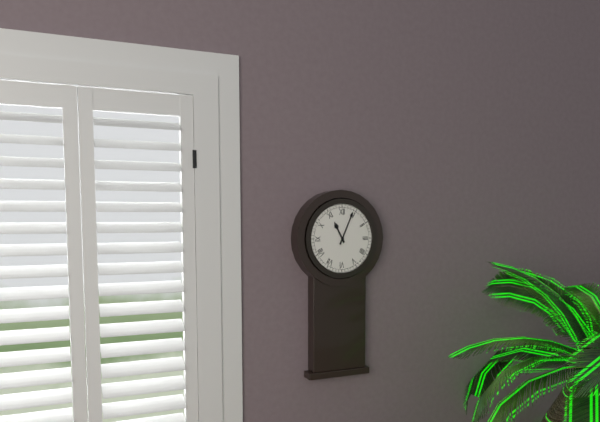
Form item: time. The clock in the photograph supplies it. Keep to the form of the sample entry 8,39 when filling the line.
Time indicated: 11,04
